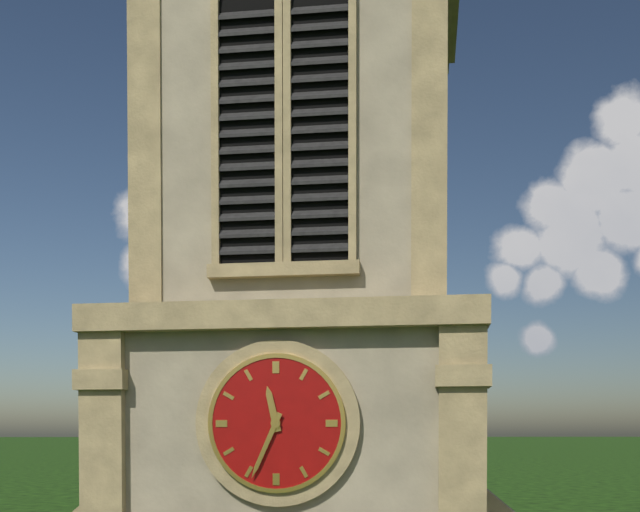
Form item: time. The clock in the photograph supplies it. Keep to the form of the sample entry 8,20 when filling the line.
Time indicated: 11,34
